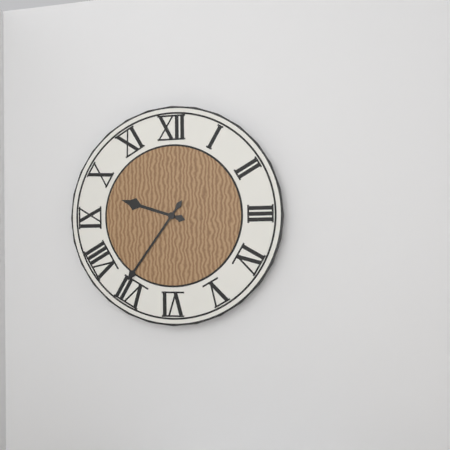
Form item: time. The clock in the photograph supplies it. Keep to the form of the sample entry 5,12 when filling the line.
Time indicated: 9,36
